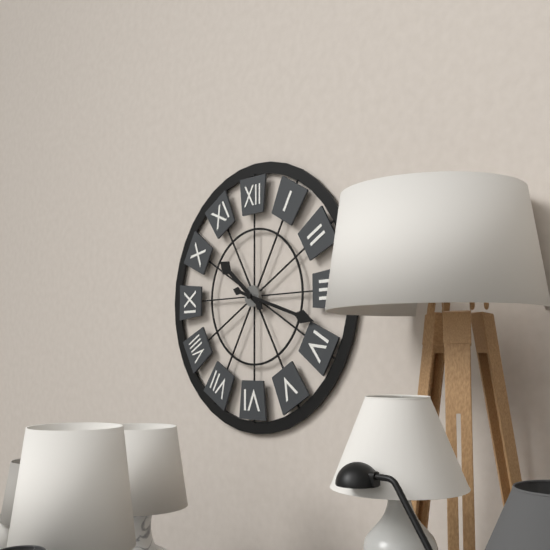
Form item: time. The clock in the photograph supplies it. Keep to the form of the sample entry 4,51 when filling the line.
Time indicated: 10,18
